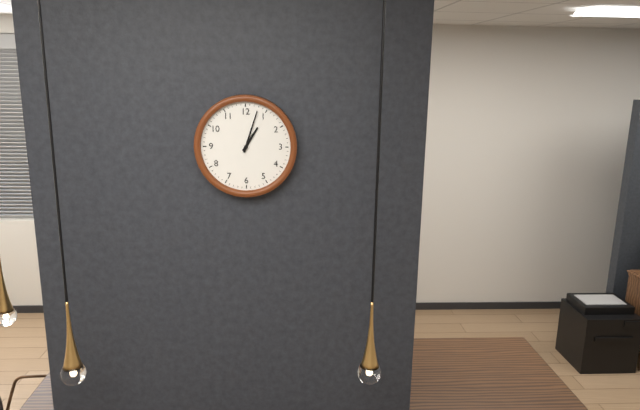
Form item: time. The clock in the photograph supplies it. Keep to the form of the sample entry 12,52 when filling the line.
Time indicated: 1,03
